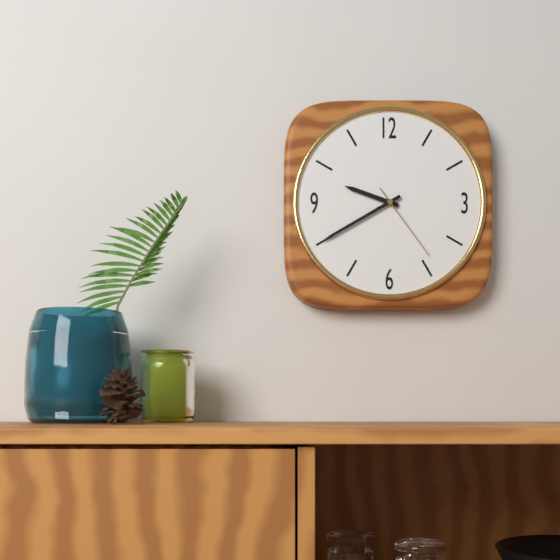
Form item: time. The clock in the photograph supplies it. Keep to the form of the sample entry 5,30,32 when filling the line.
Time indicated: 9,40,24
